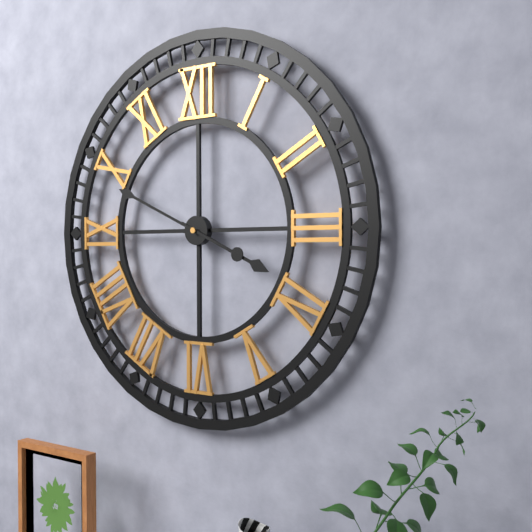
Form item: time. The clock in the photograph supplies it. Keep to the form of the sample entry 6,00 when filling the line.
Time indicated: 3,49
